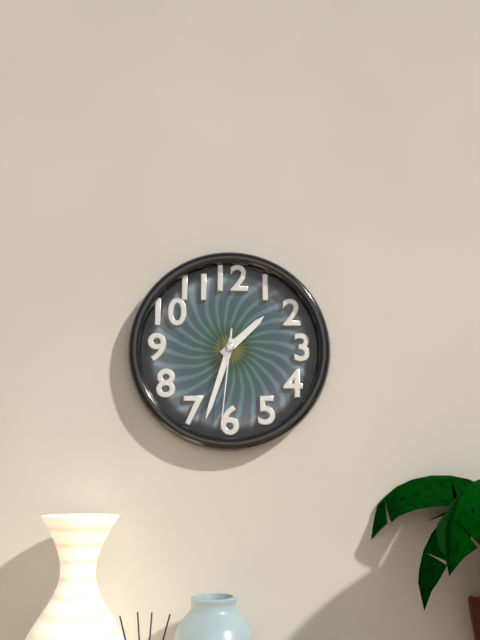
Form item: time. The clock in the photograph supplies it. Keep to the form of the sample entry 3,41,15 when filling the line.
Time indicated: 1,33,31
